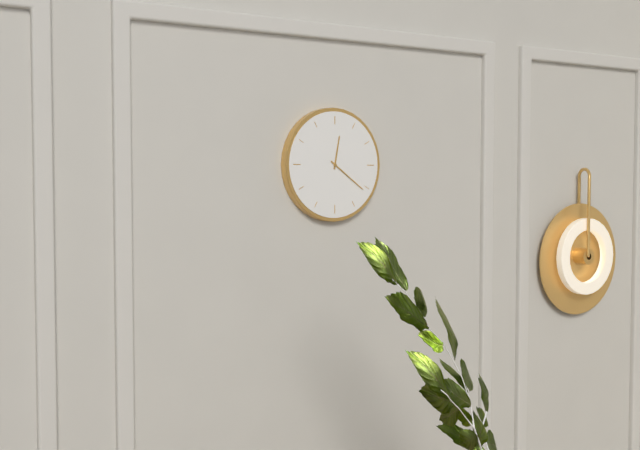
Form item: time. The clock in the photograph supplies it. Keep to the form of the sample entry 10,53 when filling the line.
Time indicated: 12,21
